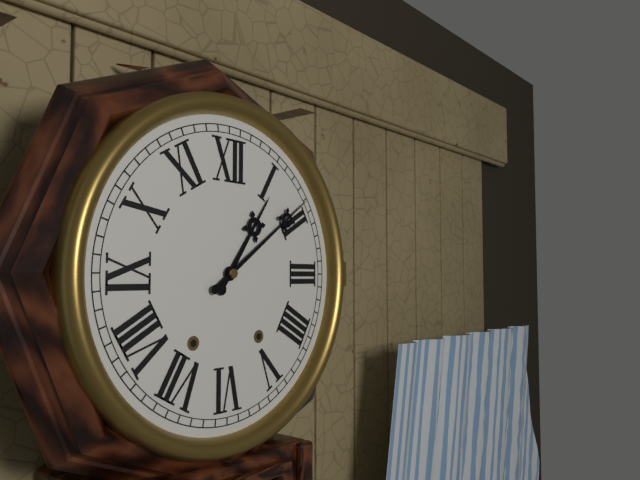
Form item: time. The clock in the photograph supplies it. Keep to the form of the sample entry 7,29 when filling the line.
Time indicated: 1,09
